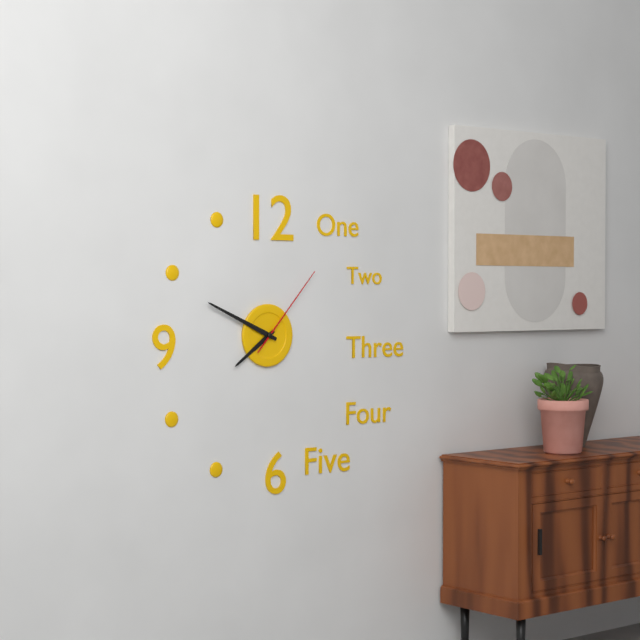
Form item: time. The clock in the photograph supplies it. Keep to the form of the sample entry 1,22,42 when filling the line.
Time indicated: 7,49,07
